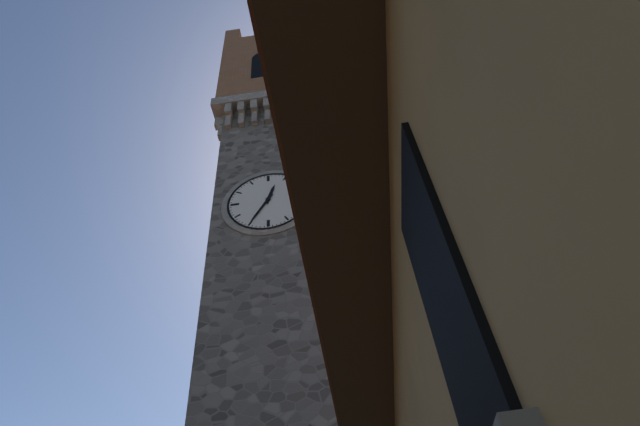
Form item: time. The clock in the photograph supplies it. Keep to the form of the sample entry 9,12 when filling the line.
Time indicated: 12,35
